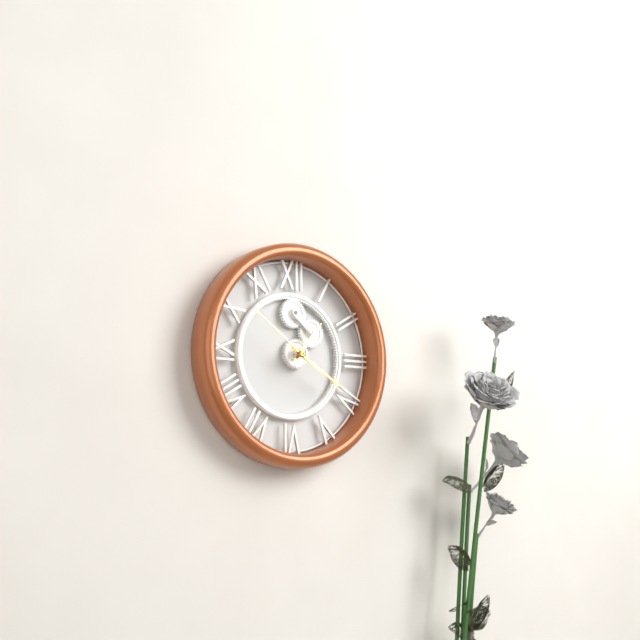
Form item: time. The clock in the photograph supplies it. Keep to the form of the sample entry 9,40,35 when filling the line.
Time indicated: 1,20,51
